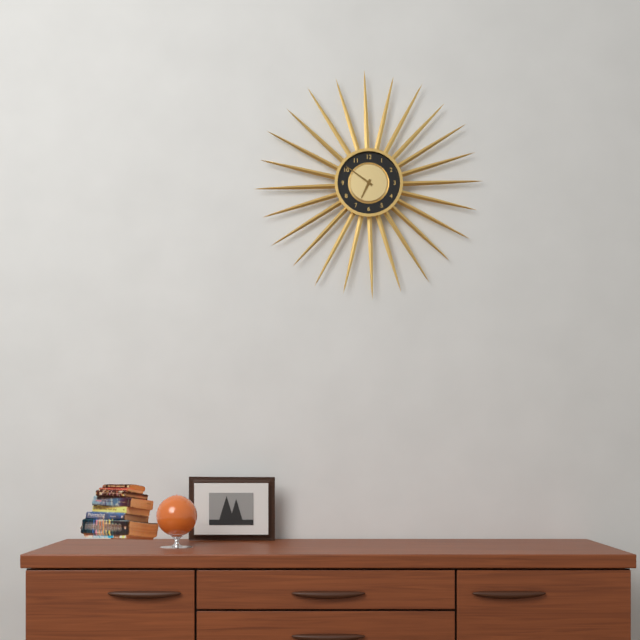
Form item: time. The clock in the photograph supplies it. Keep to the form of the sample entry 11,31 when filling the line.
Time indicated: 6,51
